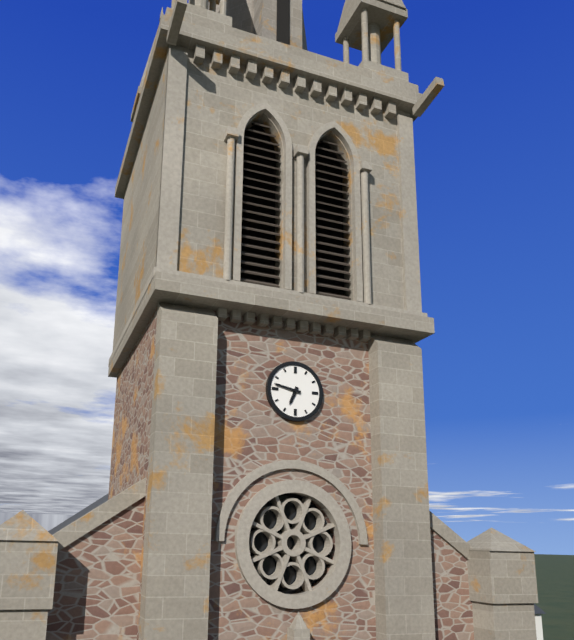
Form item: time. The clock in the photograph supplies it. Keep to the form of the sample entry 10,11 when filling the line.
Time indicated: 6,47
